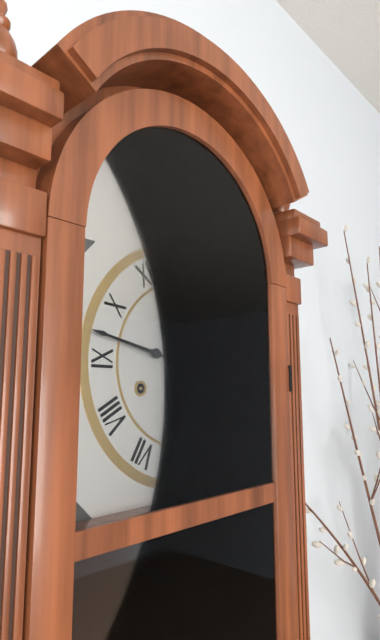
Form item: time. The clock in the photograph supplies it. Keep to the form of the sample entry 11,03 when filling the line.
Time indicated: 3,47
